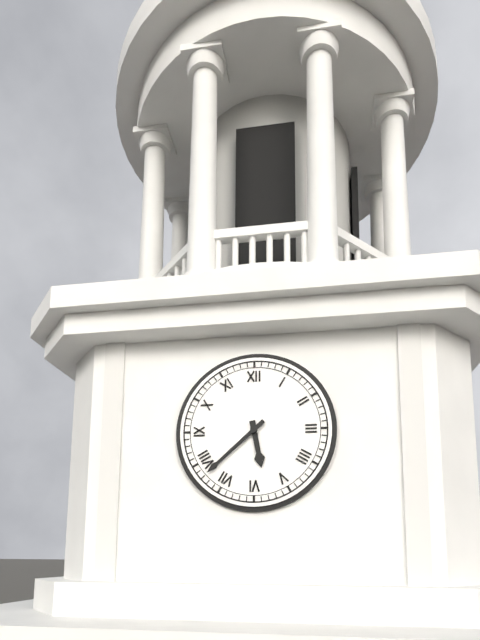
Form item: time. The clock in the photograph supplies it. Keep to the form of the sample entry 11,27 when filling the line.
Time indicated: 5,38
